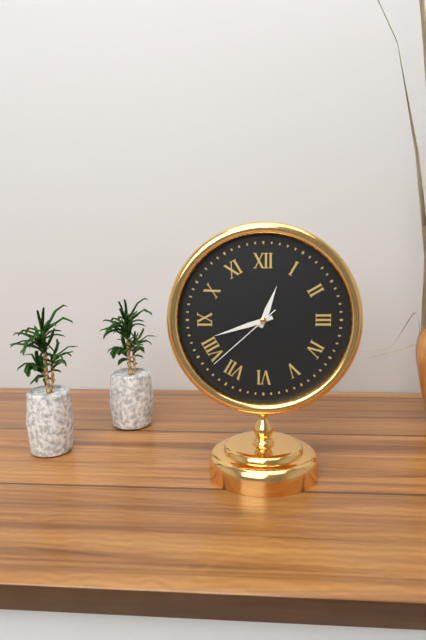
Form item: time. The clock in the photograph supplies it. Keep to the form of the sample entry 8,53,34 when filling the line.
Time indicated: 12,42,38
